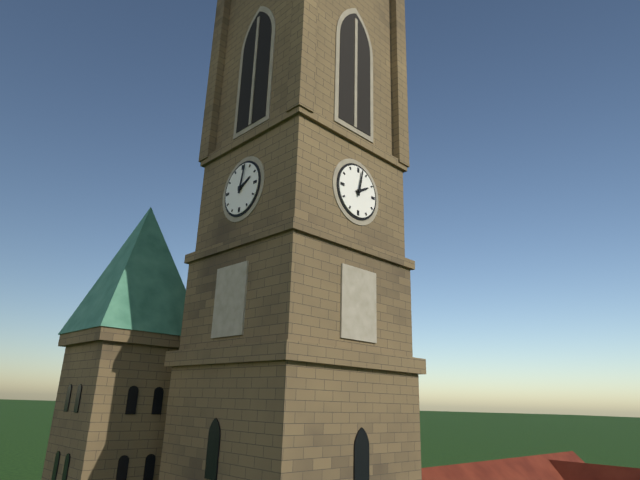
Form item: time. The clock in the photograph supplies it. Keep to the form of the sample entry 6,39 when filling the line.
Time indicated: 2,02
